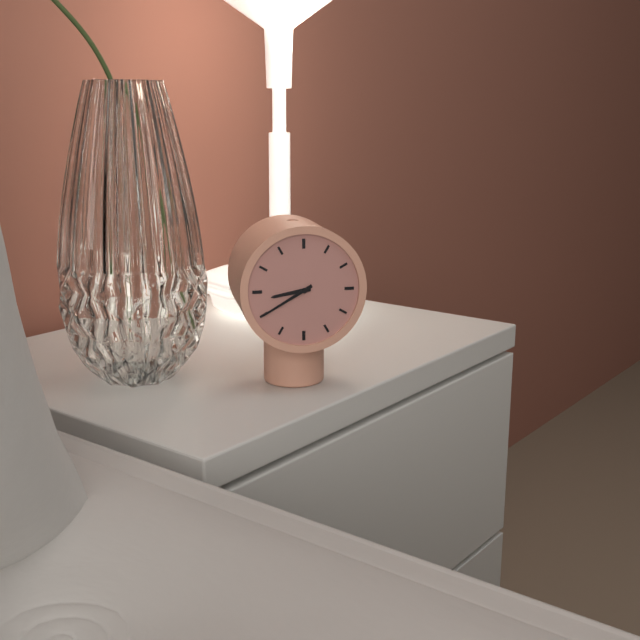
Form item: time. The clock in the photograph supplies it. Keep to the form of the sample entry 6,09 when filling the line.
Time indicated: 8,40
